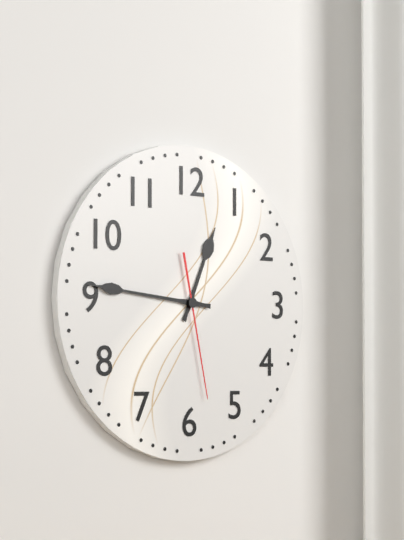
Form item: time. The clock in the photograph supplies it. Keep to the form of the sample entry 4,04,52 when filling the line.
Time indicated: 12,46,28
